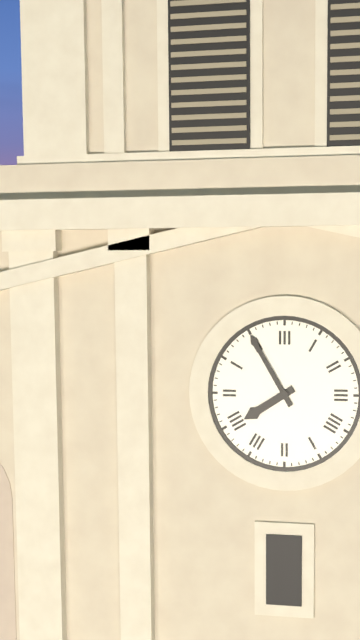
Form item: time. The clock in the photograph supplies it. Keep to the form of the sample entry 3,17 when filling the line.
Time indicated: 7,55
